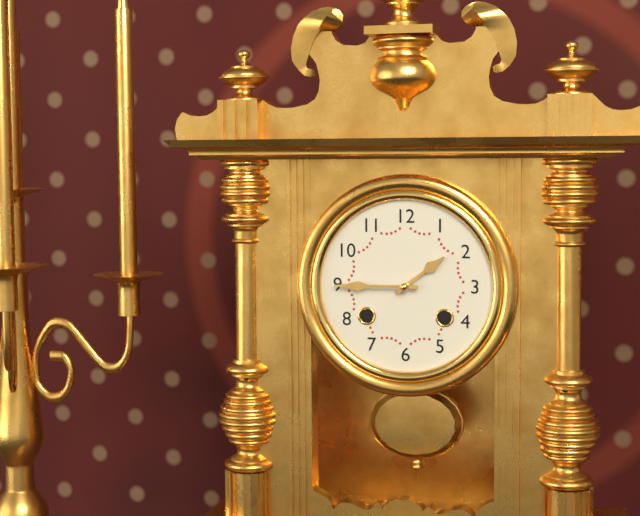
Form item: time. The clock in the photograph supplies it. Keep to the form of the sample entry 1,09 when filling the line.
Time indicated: 1,45
